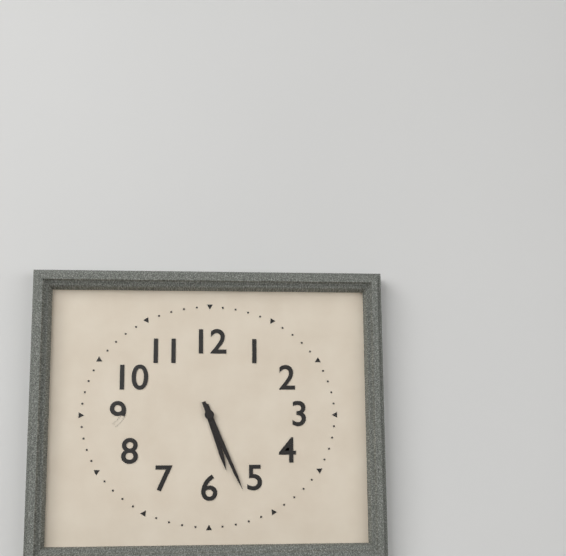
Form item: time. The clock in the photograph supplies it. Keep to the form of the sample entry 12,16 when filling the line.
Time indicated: 5,26
